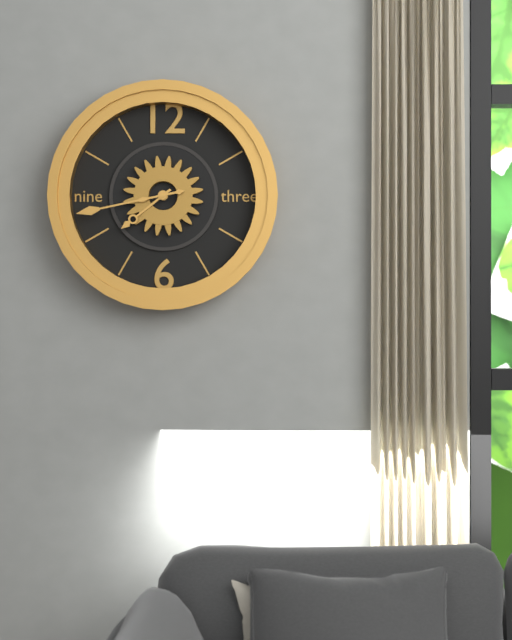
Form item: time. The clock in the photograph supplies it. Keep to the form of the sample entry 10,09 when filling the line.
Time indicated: 7,43
